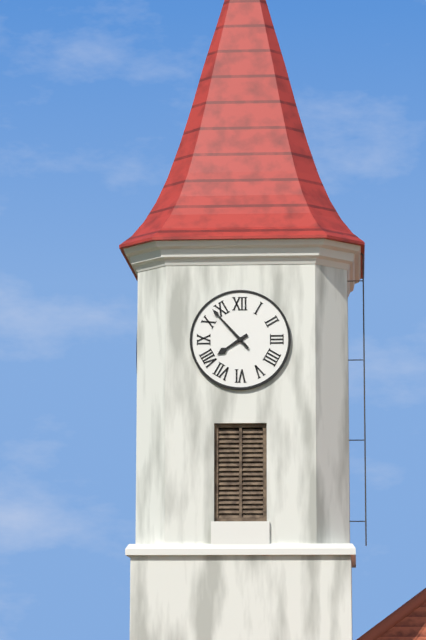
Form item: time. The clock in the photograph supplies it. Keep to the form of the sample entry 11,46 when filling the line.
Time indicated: 7,53
